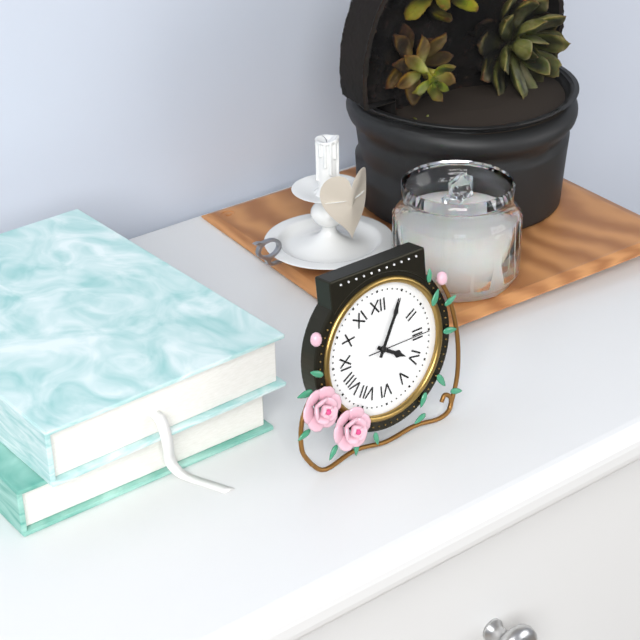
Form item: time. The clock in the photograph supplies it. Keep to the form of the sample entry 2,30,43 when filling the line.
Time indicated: 4,05,15
